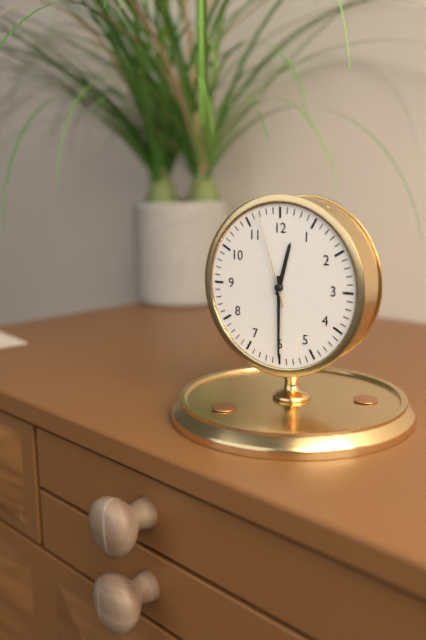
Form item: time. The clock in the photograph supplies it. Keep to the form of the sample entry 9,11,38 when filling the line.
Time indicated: 12,30,57
